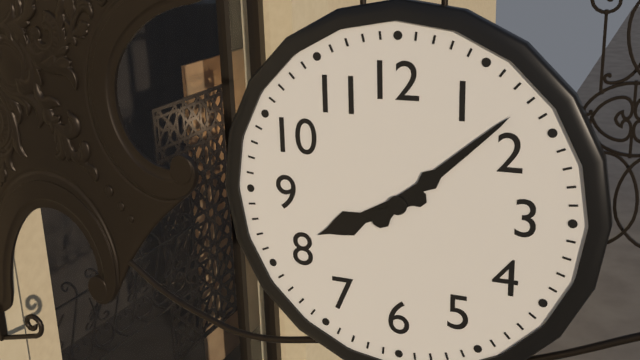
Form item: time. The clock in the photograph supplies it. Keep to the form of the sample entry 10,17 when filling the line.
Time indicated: 8,08
